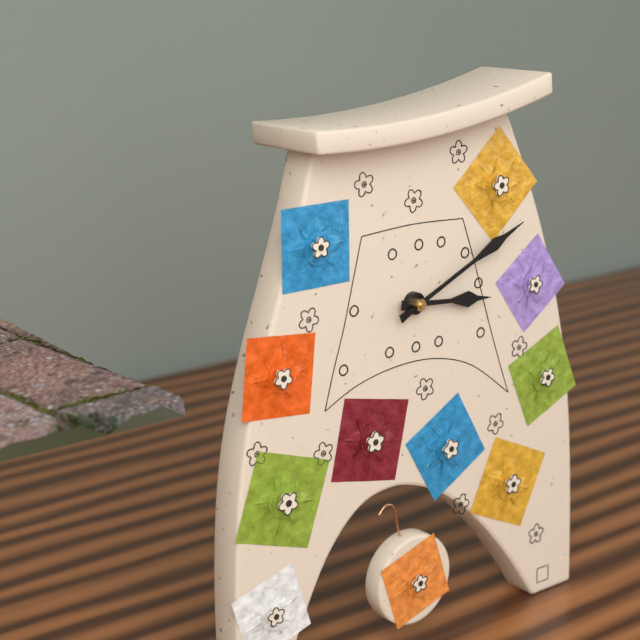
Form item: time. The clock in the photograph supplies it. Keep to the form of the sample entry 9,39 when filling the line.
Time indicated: 3,11
